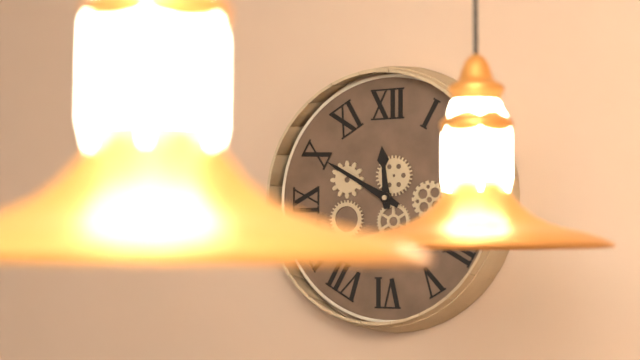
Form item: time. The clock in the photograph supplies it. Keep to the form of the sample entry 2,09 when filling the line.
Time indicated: 11,50
